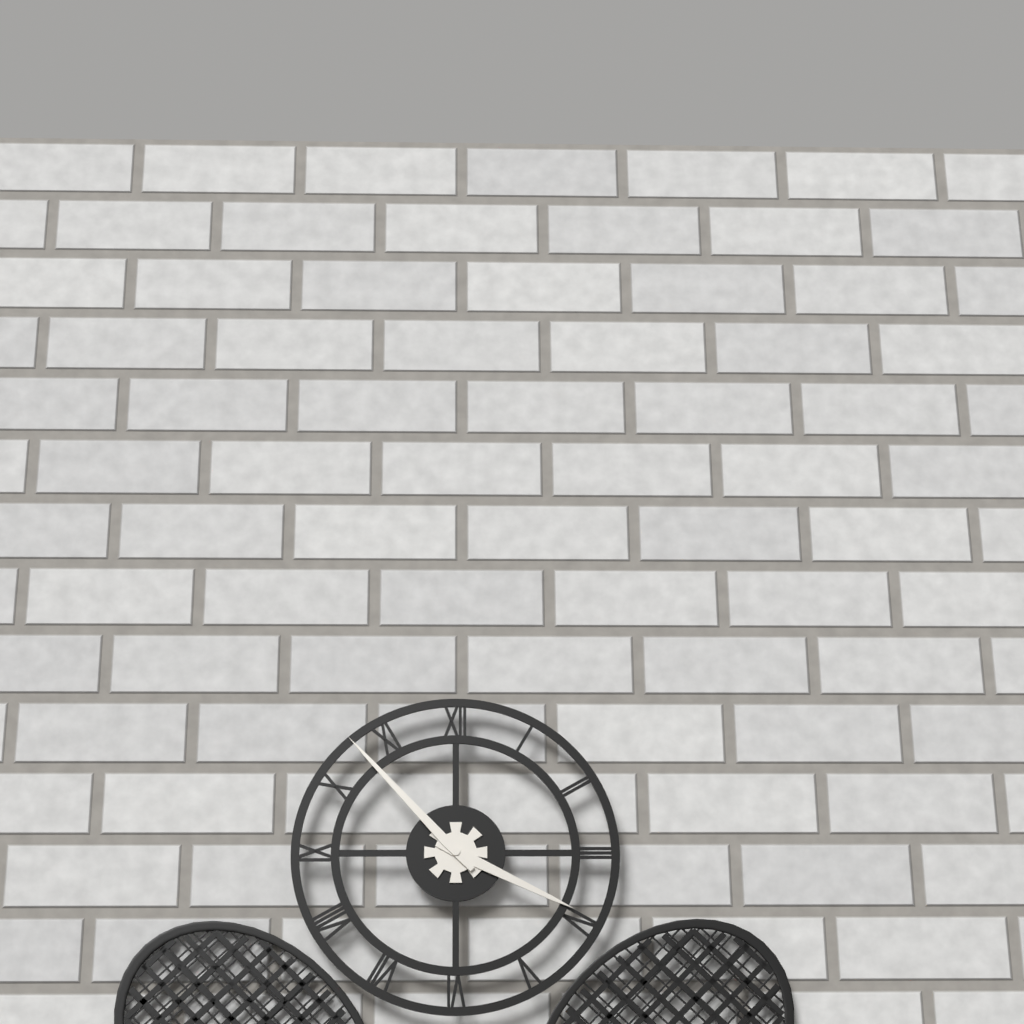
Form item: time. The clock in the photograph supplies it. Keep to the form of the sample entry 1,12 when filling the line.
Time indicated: 3,53
